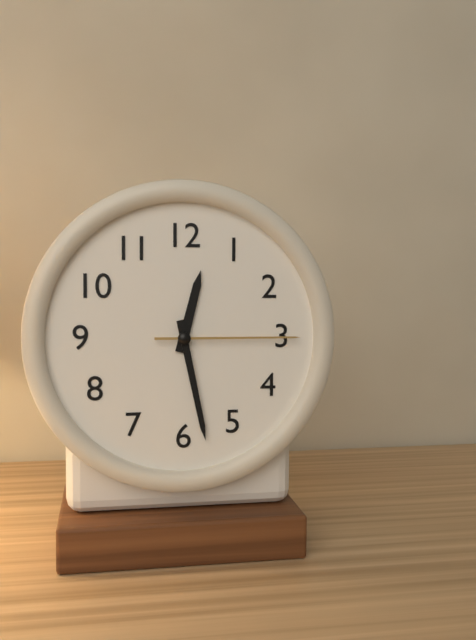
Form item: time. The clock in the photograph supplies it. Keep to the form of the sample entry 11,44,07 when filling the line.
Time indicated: 12,28,15
